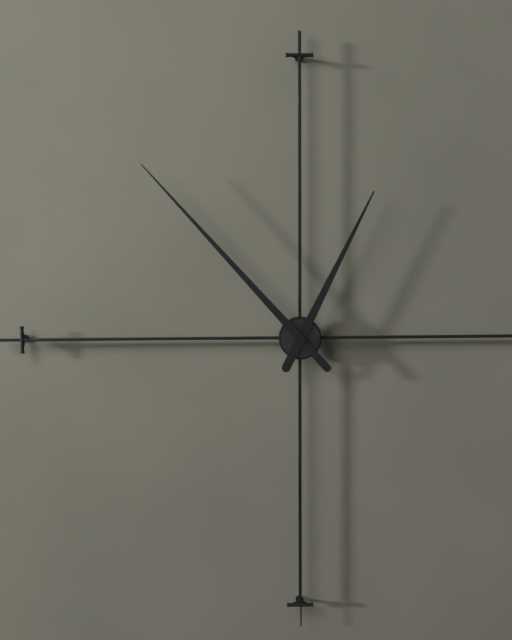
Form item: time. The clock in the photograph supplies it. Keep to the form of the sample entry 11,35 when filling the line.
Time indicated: 12,53
